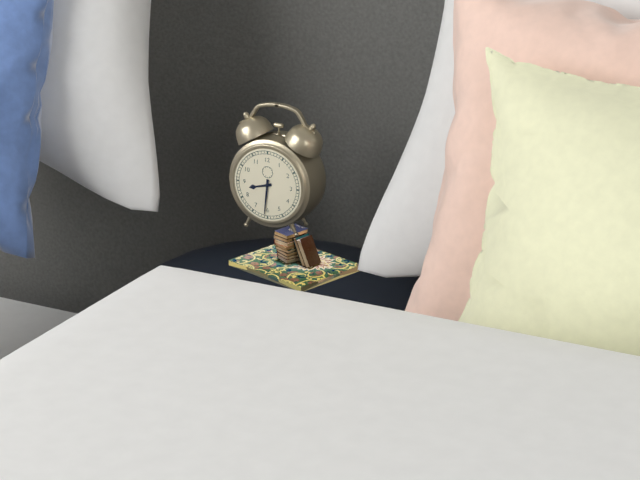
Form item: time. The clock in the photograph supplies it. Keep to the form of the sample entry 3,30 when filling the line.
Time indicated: 8,31
